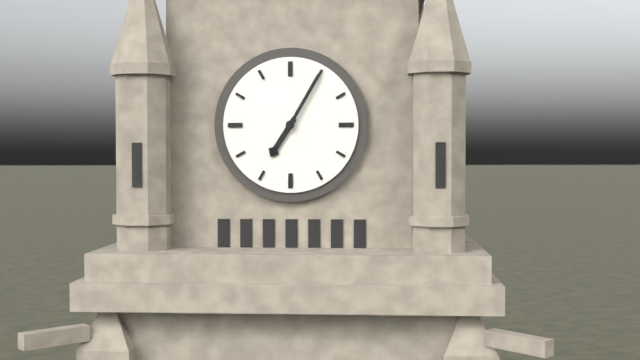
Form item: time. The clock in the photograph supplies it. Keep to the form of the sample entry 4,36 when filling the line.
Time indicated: 7,05
